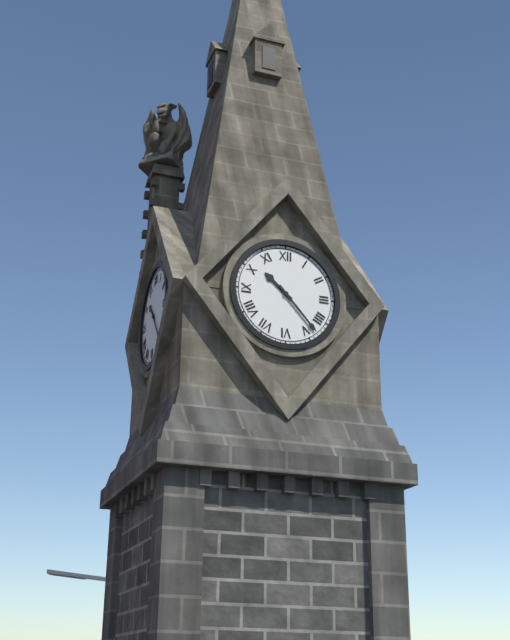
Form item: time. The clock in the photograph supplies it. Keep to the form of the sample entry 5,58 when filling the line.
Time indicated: 10,23
